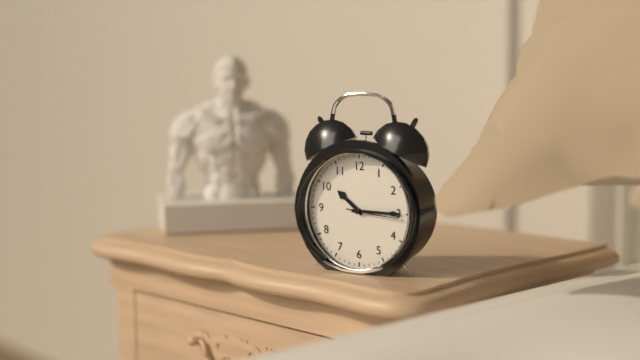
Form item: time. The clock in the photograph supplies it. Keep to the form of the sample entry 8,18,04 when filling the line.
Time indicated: 10,15,16
